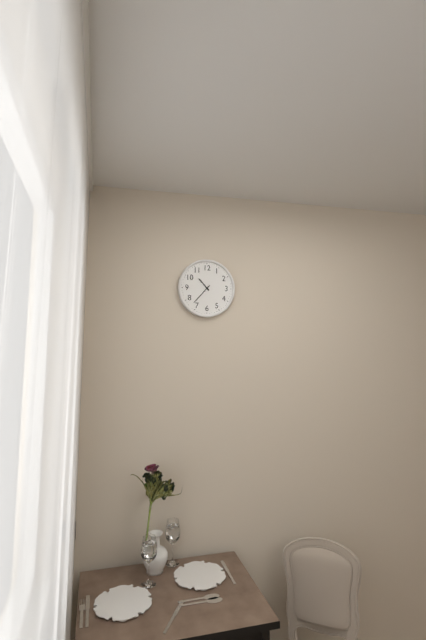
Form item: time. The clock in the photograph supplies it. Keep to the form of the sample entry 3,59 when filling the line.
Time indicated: 10,37
